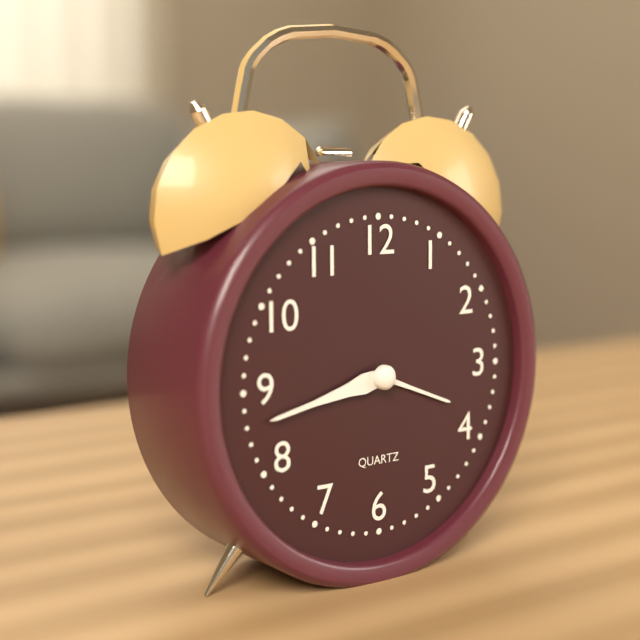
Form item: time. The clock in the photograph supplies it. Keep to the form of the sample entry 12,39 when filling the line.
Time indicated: 3,43
